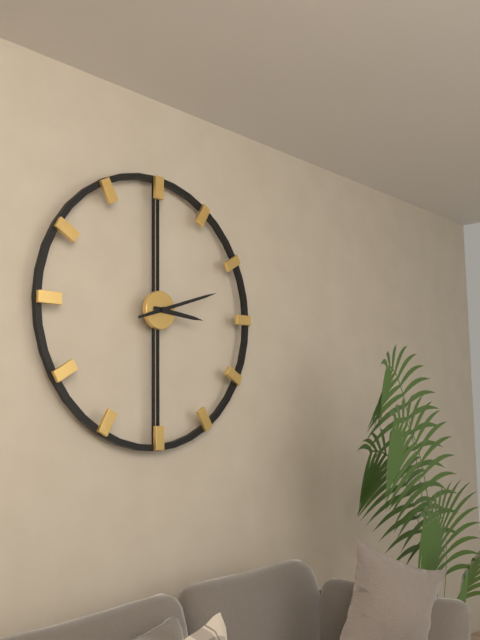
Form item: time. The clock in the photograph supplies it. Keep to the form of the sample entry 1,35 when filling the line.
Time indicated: 3,12
